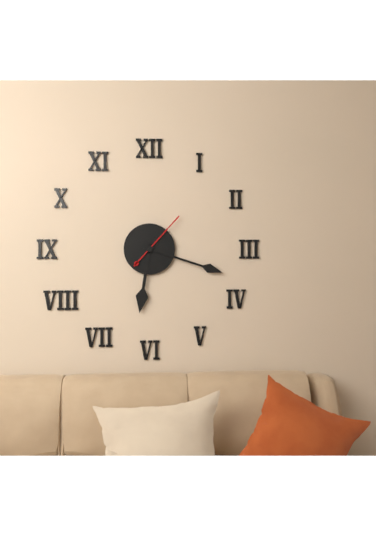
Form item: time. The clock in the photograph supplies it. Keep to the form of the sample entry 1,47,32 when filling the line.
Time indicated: 6,18,07
